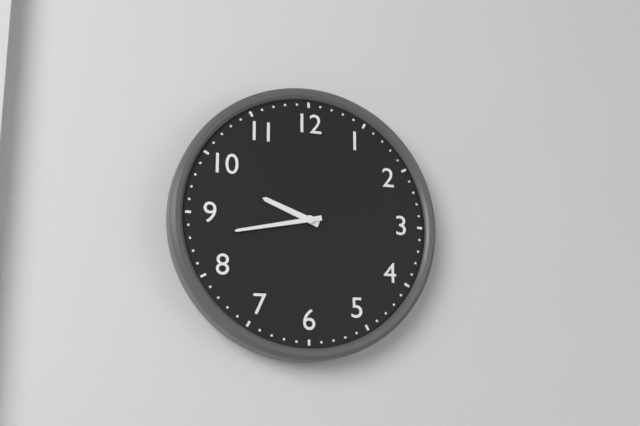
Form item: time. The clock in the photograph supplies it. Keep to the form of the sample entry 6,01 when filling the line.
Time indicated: 9,43
